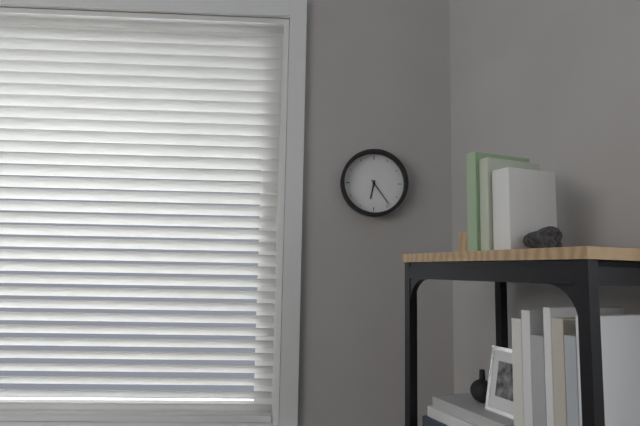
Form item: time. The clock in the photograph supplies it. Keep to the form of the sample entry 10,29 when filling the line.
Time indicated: 6,24
